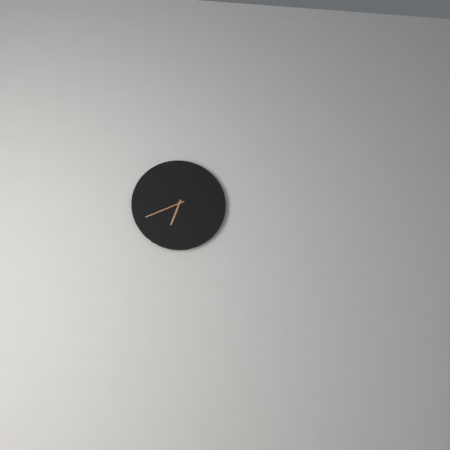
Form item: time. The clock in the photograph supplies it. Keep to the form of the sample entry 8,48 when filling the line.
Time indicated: 6,41
